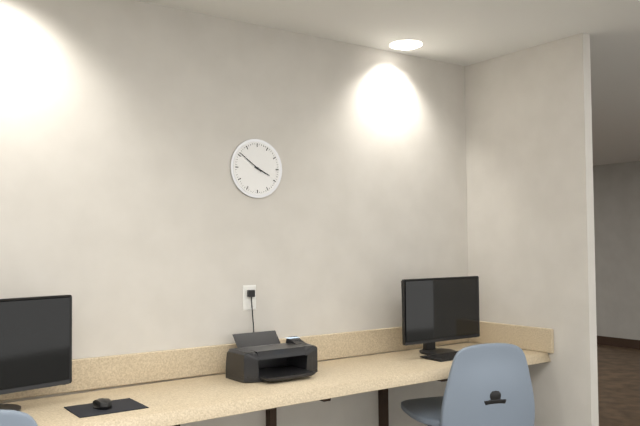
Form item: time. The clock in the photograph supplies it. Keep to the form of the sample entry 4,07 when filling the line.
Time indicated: 3,51
